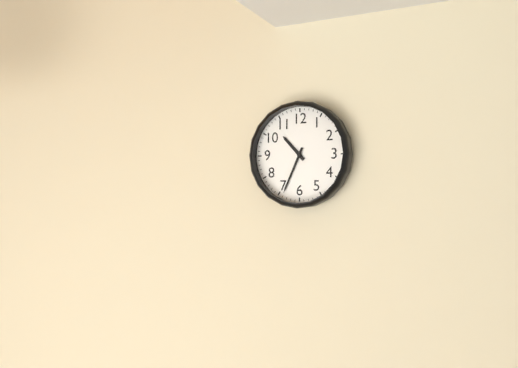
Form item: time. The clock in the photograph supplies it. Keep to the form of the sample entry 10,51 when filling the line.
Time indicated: 10,34
